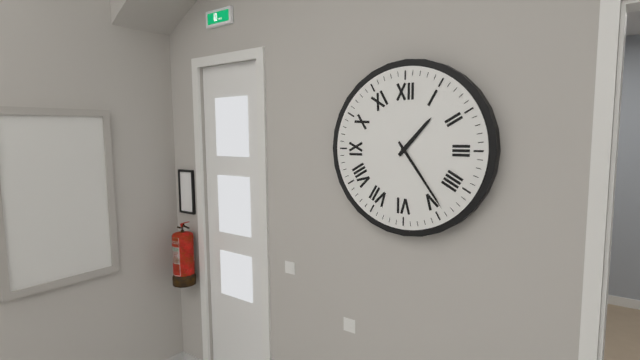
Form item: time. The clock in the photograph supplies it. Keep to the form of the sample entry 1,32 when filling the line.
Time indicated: 1,24
